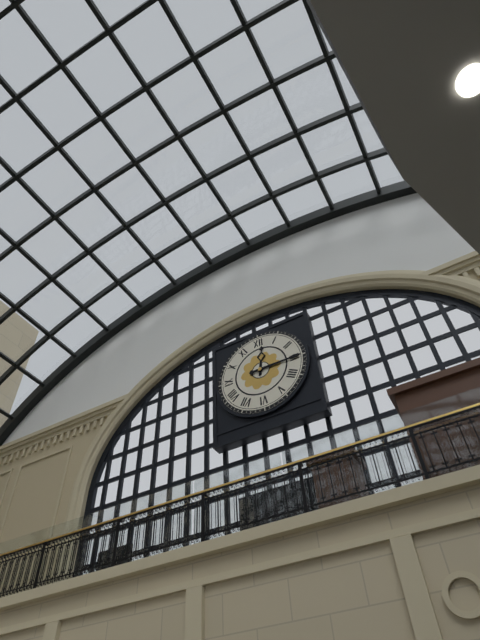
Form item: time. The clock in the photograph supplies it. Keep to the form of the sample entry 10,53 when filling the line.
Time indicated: 12,15
